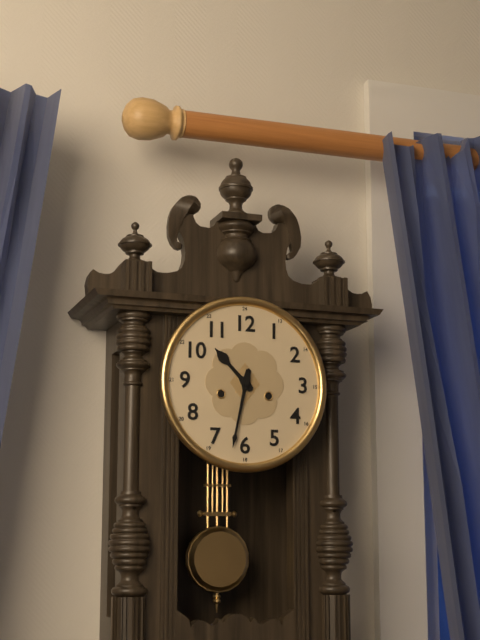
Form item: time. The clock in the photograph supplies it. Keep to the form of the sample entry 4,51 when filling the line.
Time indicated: 10,32
